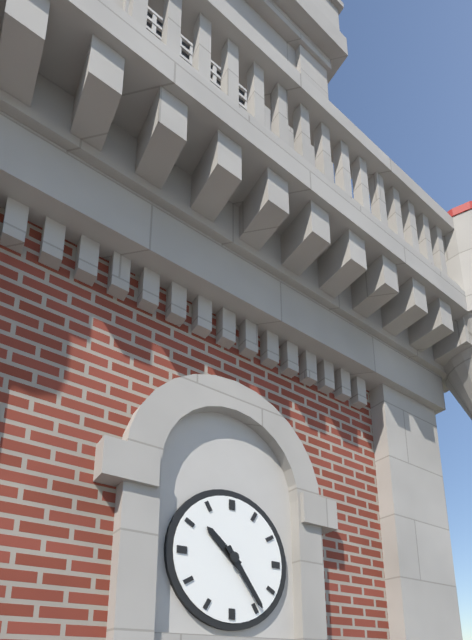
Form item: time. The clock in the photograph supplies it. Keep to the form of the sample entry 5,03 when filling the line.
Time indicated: 10,24
